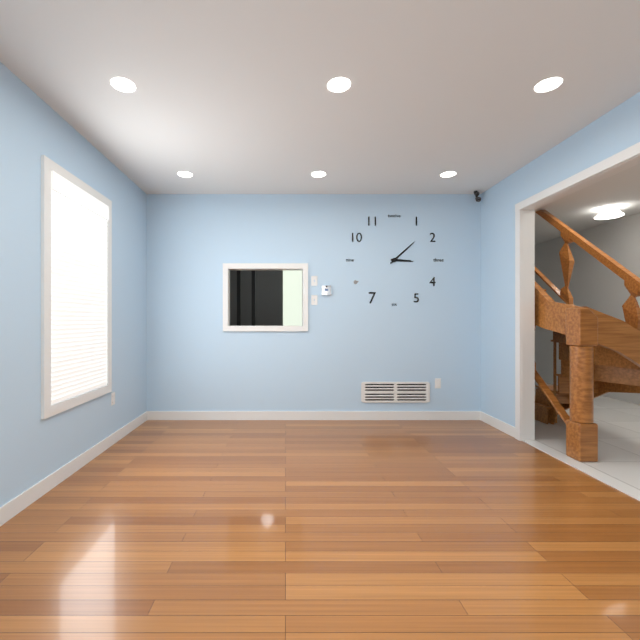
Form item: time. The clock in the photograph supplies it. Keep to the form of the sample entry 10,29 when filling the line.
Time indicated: 3,08
